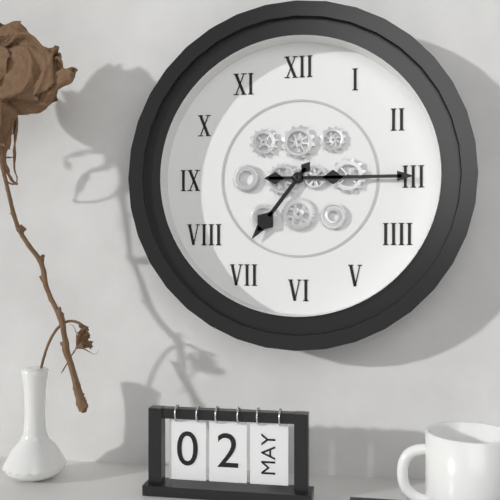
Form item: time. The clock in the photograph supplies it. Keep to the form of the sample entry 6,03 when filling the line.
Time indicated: 7,15
